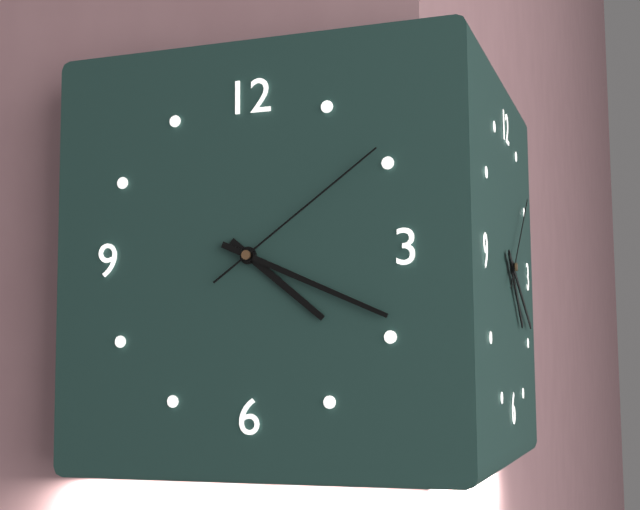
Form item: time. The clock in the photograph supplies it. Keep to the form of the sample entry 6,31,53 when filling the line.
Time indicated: 4,19,09
